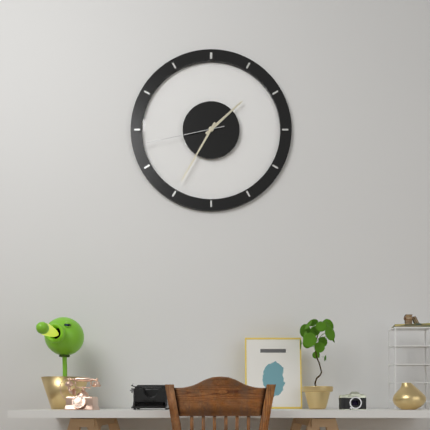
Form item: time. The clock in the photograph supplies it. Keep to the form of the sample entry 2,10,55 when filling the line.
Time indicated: 1,35,43
